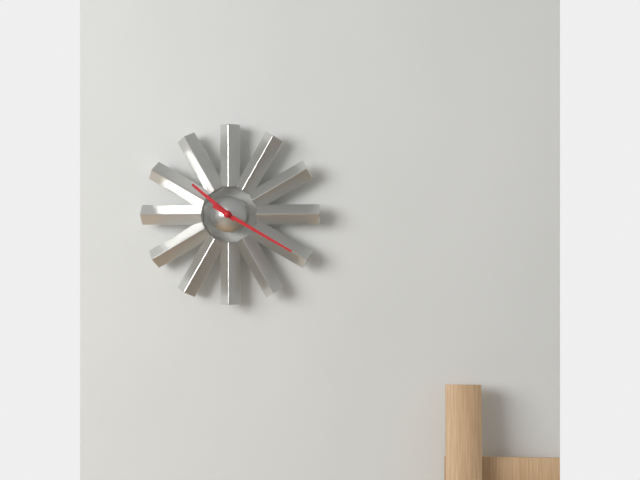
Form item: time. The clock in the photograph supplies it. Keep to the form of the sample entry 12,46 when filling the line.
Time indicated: 10,20
